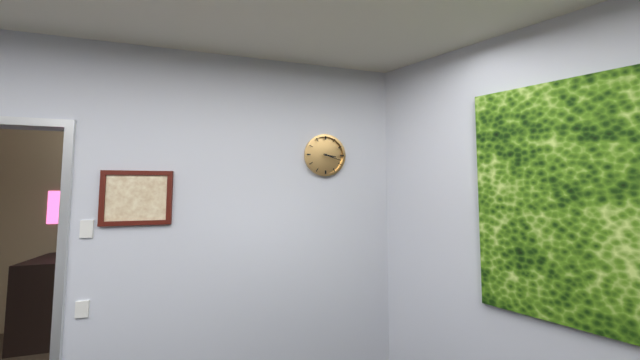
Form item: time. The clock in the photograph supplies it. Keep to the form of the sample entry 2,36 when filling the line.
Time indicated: 3,18
